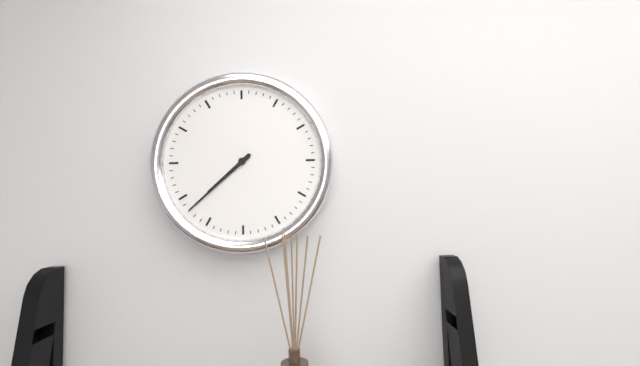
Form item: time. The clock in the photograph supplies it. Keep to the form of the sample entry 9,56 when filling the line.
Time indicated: 7,38
